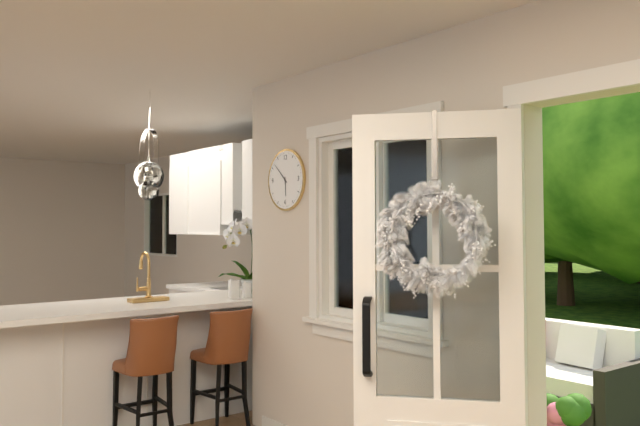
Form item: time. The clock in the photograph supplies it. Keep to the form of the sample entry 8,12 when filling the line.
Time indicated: 5,52
